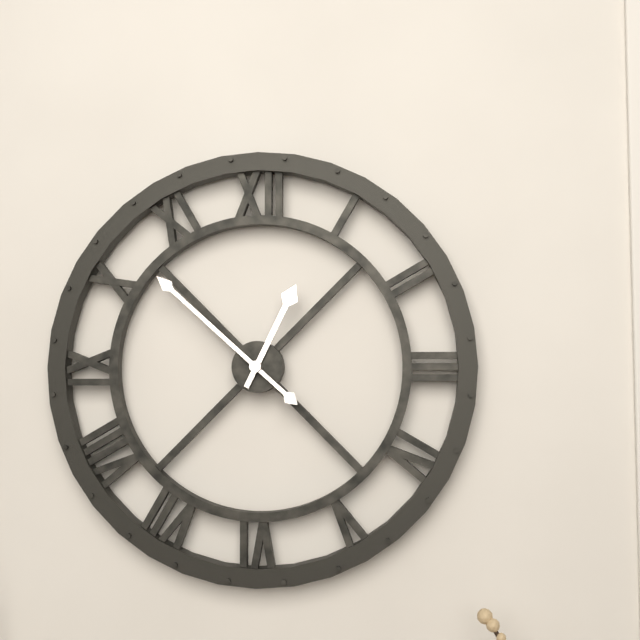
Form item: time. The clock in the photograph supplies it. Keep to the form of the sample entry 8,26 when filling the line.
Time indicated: 12,52
